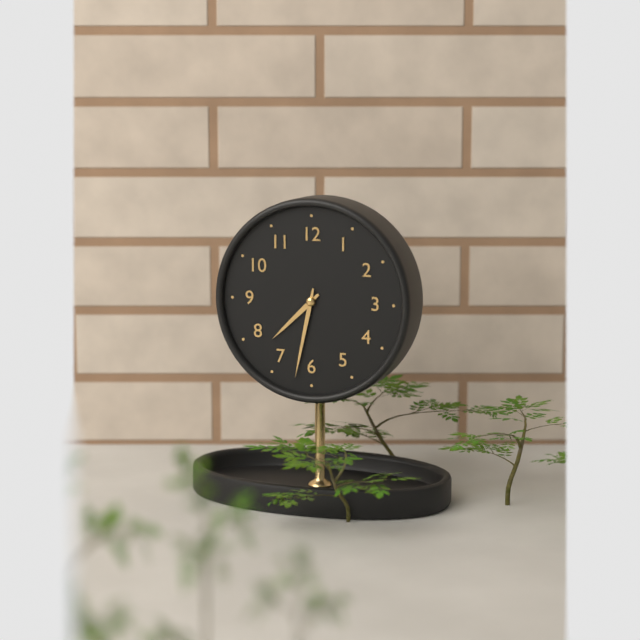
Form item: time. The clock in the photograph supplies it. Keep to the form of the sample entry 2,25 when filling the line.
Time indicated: 7,32
